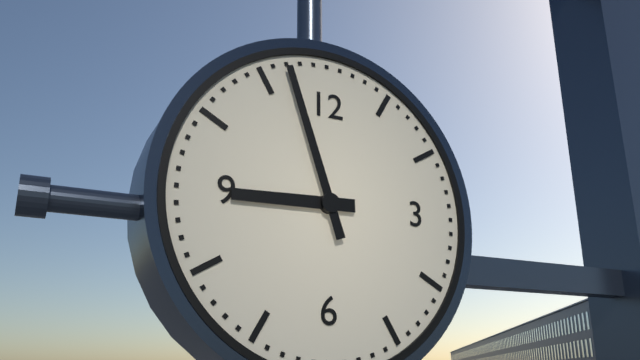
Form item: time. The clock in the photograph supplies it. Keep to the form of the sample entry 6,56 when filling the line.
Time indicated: 8,57
